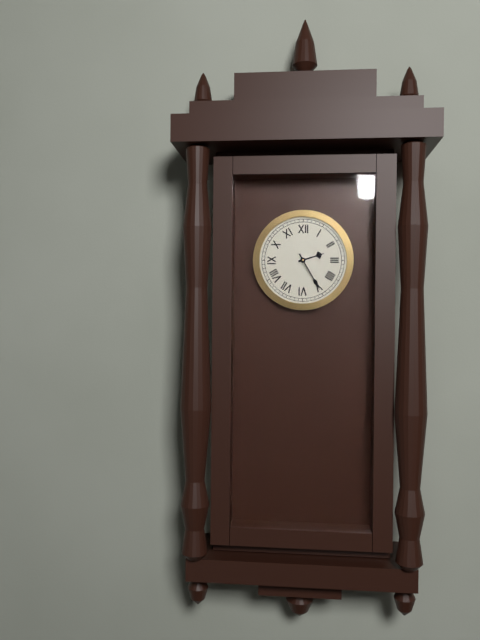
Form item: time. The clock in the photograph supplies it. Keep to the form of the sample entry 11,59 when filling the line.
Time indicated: 2,25
